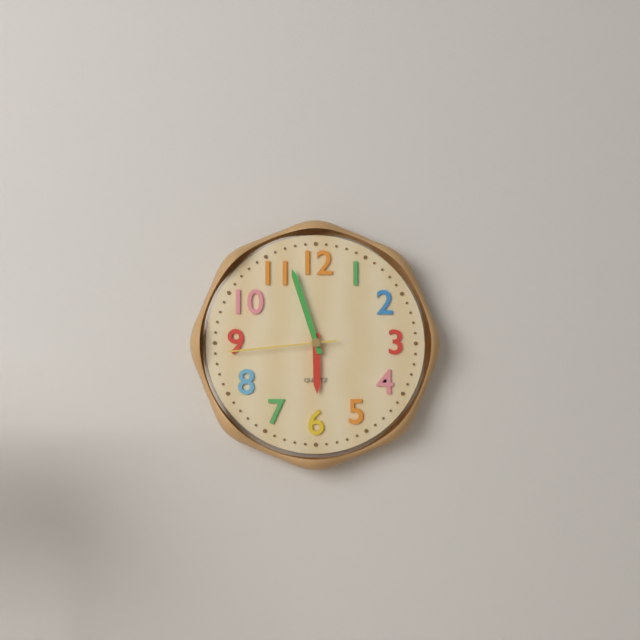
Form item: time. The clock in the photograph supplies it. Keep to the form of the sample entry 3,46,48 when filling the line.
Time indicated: 5,57,44
